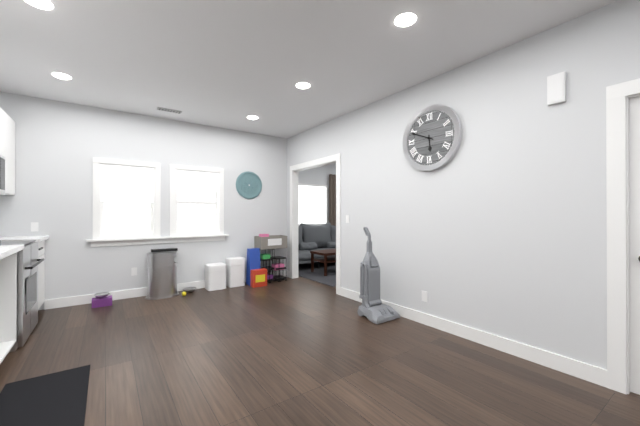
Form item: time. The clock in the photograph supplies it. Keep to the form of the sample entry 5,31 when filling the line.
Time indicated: 5,49
